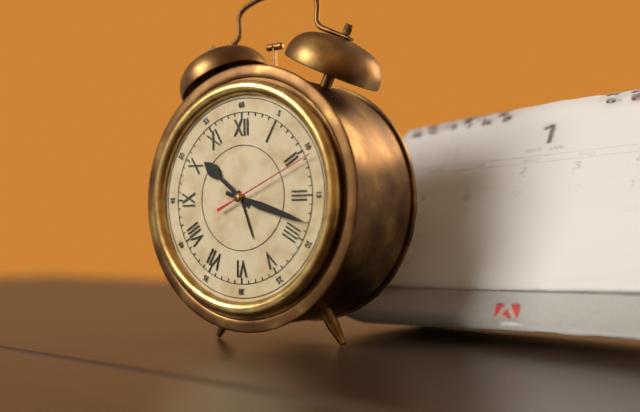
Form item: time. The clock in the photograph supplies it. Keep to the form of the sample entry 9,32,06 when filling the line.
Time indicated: 10,18,11
